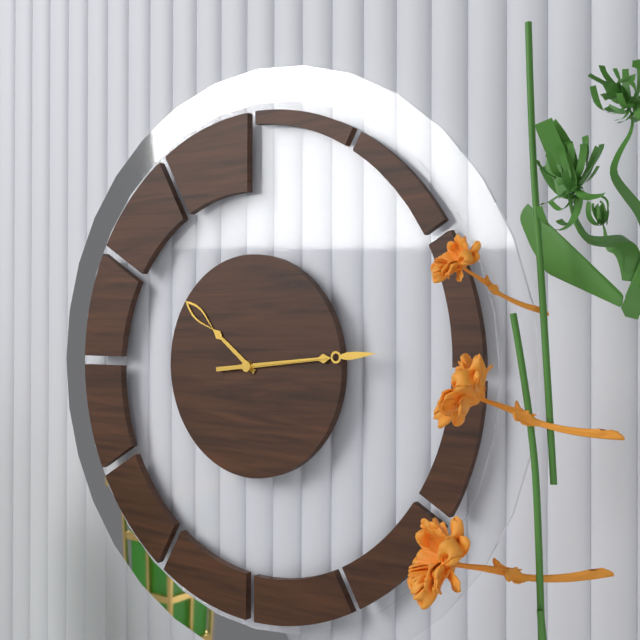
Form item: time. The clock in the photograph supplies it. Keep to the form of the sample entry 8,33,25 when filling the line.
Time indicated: 10,14,14
